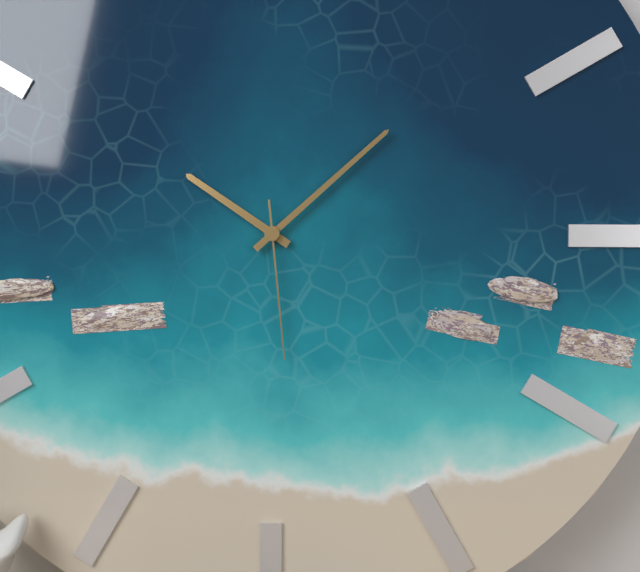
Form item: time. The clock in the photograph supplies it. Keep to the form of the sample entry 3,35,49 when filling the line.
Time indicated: 10,08,29
